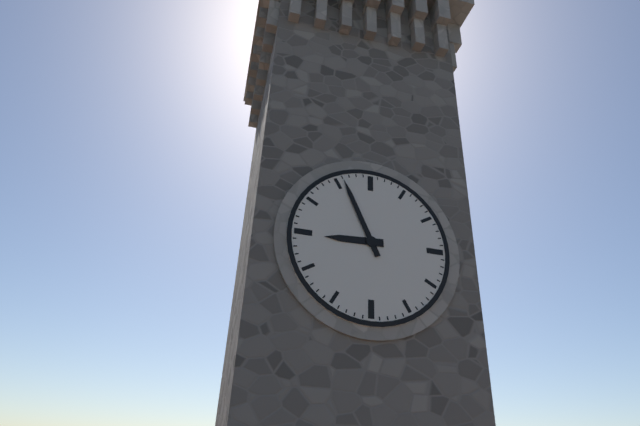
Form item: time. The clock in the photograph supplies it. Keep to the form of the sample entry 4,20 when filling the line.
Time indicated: 8,56
